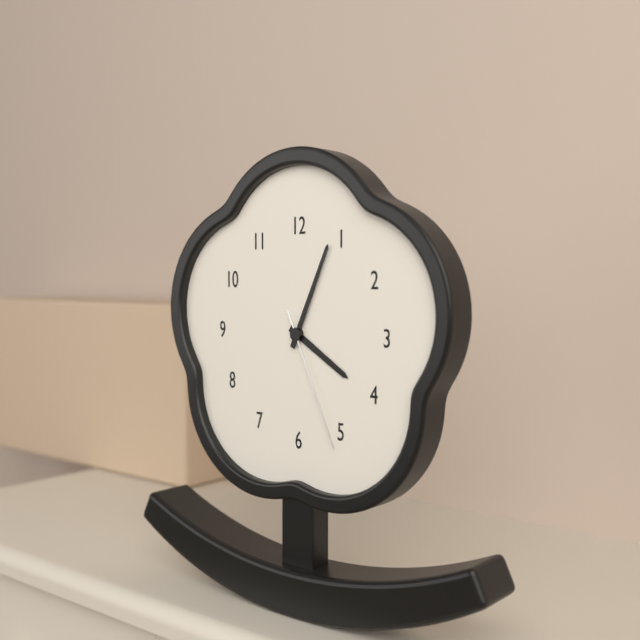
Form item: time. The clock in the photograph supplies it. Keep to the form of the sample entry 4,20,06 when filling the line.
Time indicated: 4,04,26
